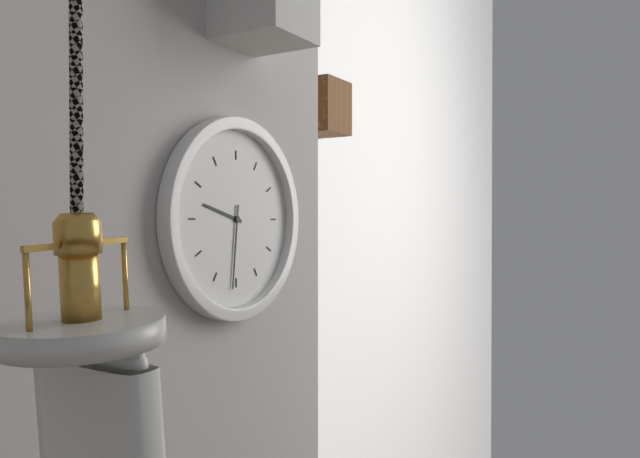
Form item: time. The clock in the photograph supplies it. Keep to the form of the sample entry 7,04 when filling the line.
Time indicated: 9,31
